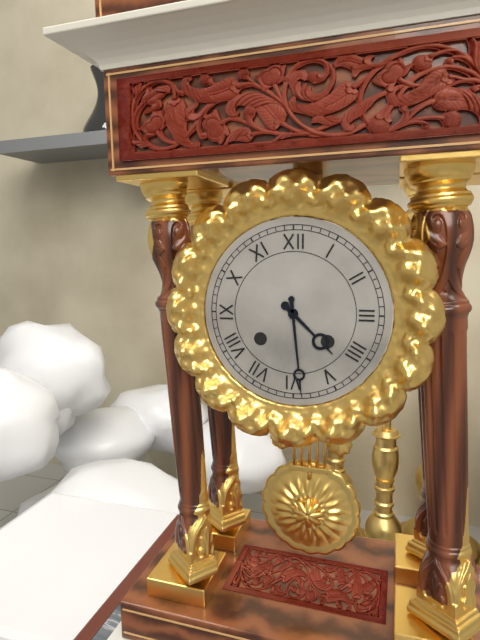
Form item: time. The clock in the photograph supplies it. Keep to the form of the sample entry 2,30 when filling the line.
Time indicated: 4,29
